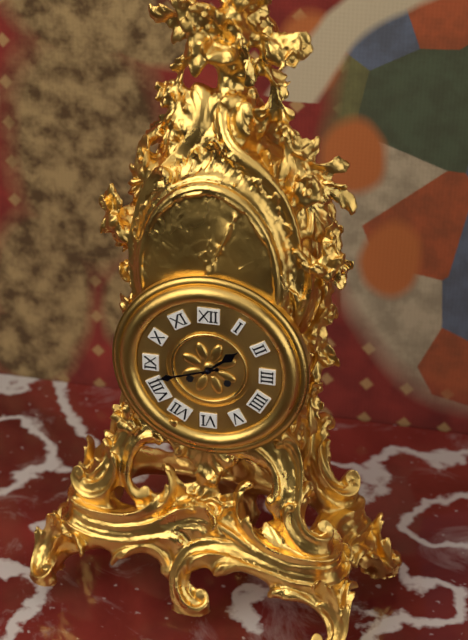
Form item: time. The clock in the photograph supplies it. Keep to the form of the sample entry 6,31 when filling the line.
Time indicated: 1,42
